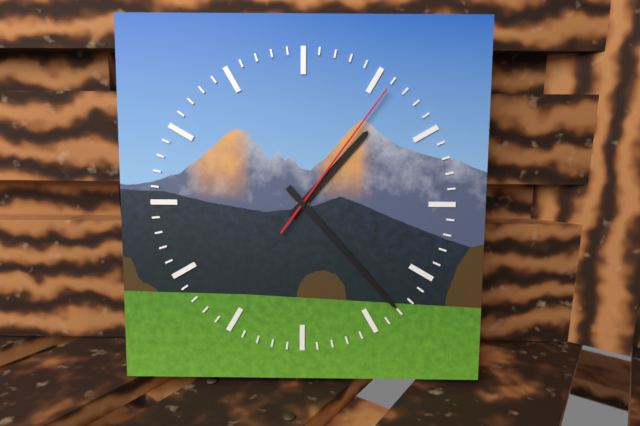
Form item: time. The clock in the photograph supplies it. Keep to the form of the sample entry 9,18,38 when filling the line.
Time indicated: 1,23,06
